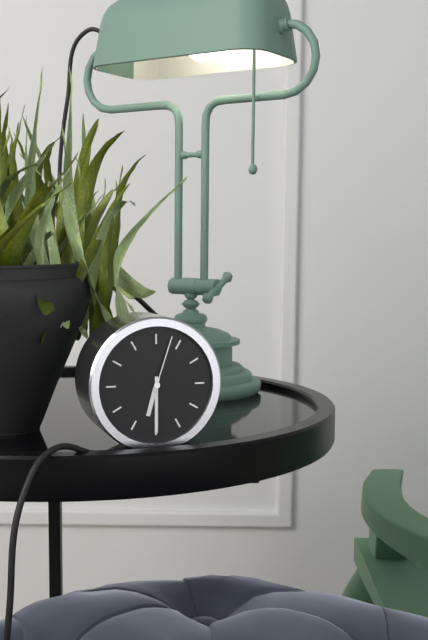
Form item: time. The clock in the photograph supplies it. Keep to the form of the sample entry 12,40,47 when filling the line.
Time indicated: 6,30,03
